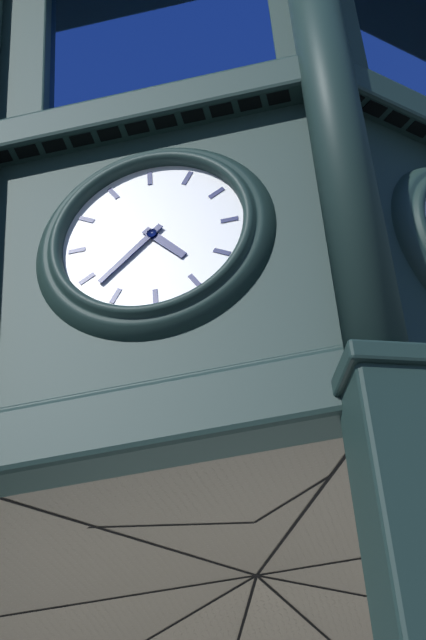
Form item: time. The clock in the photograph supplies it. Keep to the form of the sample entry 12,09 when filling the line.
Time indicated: 4,38
